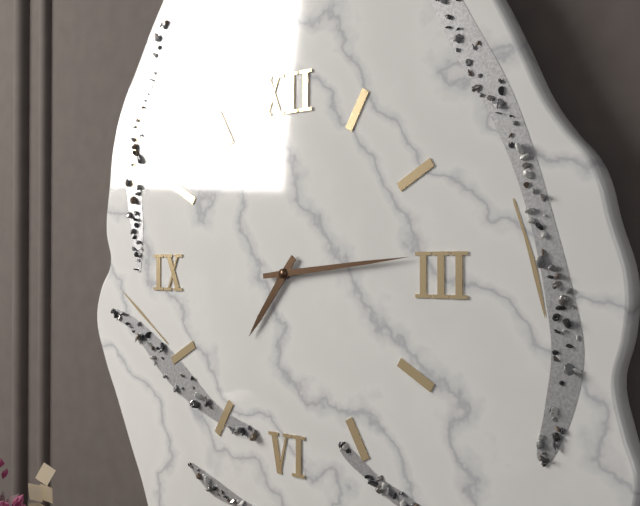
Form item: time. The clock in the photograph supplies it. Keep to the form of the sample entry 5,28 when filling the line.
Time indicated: 7,14
